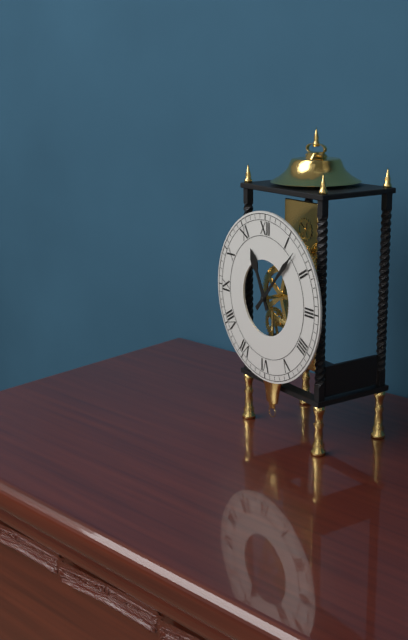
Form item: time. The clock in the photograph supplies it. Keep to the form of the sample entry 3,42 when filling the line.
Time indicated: 11,07
